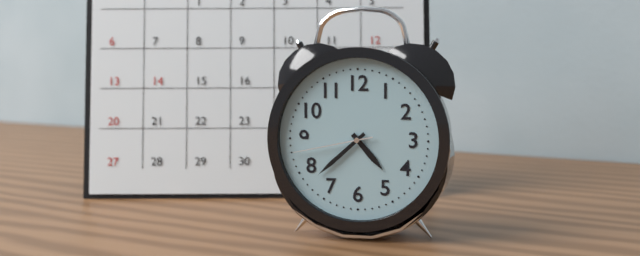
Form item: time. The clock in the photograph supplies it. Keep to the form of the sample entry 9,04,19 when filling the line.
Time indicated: 4,38,43
